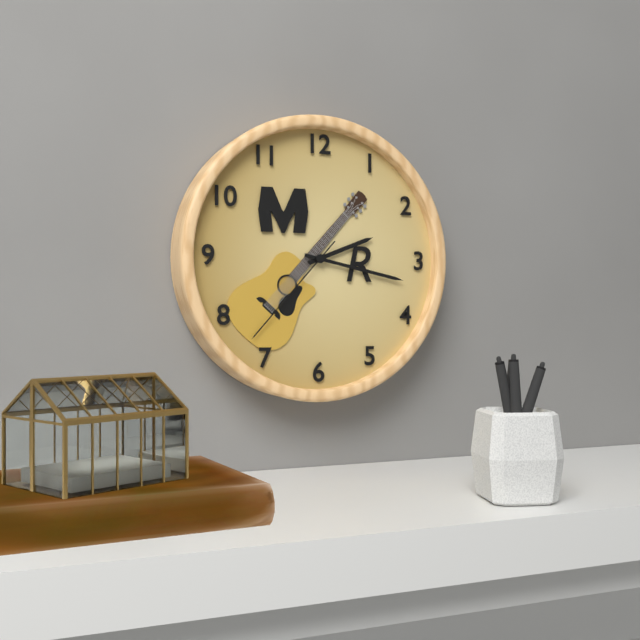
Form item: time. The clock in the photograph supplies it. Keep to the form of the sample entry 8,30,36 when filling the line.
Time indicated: 2,17,37
